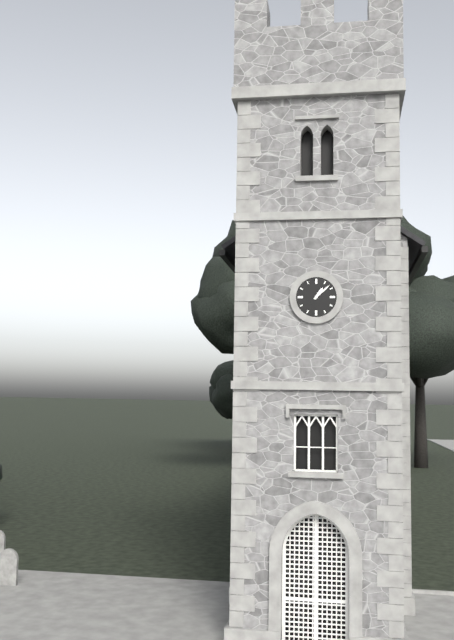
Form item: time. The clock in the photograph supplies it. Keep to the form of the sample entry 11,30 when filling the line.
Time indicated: 1,08
